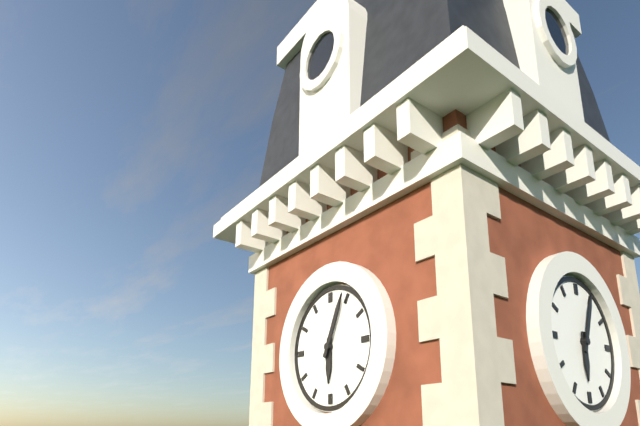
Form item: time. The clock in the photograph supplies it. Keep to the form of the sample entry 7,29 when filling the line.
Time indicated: 6,04
